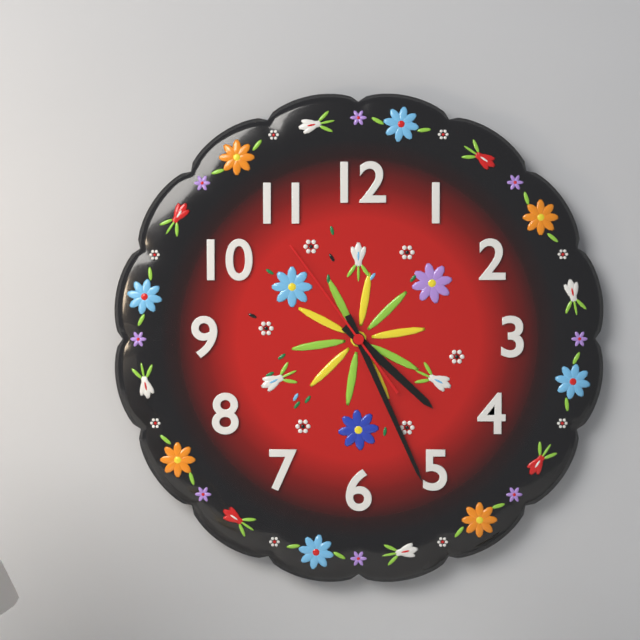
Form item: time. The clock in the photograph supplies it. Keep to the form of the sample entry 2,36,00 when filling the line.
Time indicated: 4,26,54
